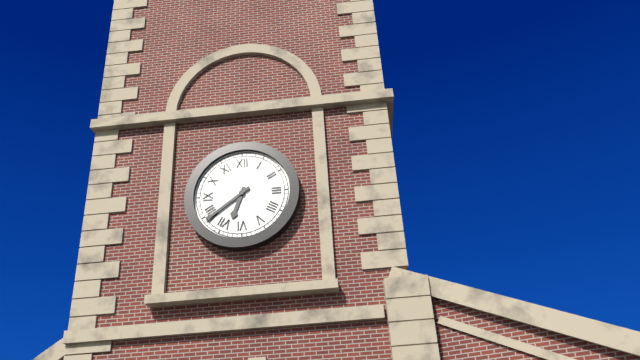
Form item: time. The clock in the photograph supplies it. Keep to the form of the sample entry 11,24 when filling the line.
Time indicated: 6,39
